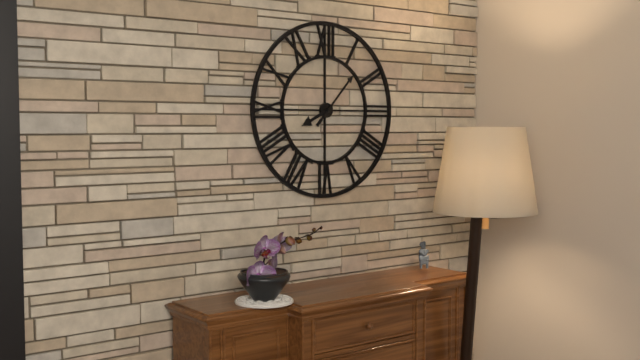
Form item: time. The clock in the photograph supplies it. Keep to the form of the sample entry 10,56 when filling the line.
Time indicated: 8,07
